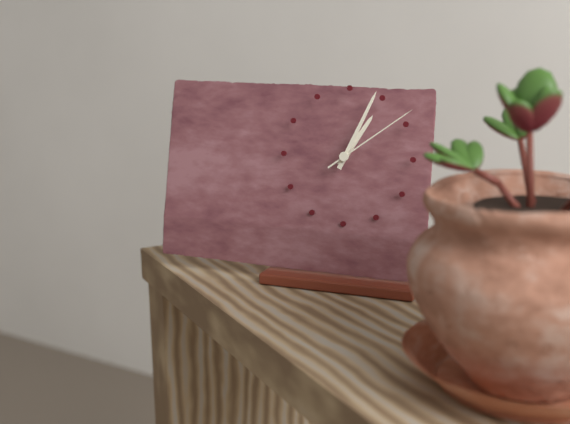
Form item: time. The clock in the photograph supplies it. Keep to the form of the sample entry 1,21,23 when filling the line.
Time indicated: 1,04,09
